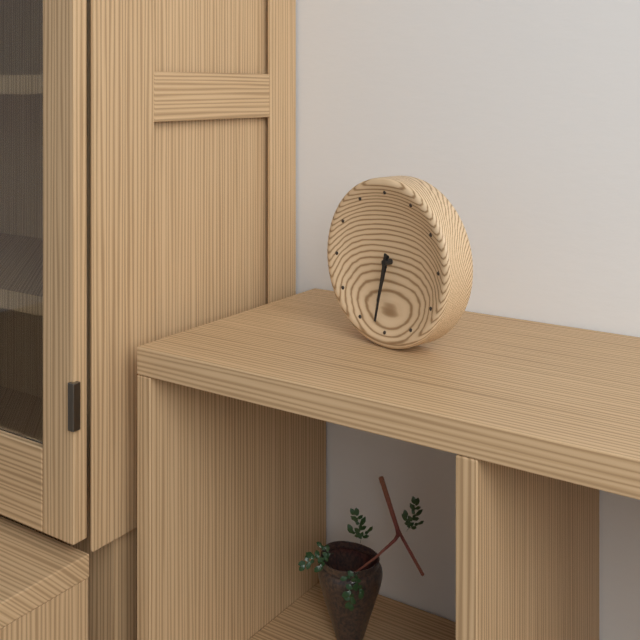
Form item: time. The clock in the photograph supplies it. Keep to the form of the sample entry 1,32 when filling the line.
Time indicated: 6,32
